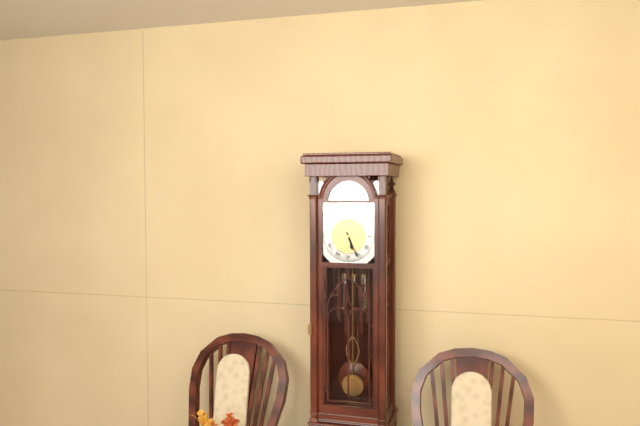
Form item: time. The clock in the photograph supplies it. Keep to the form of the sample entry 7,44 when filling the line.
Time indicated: 5,26
